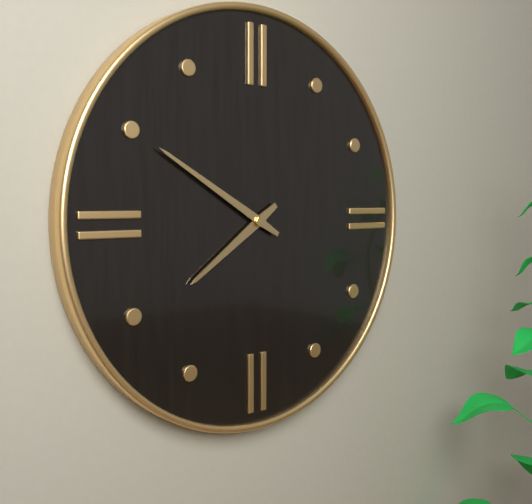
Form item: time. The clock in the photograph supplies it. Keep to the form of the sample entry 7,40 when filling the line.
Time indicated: 7,50
